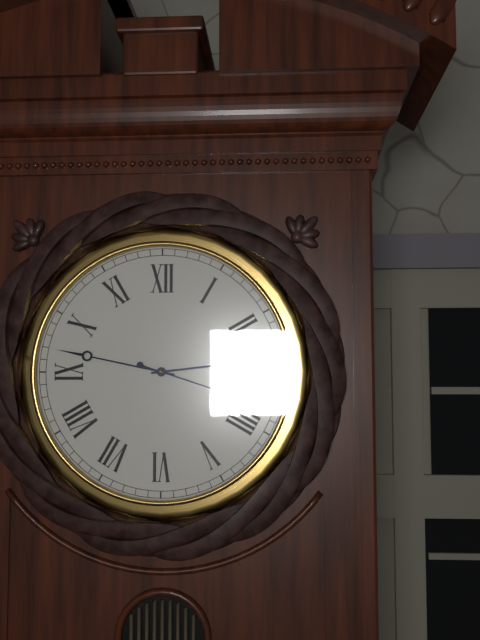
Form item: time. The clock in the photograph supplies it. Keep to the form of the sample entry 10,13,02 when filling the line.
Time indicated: 2,47,18
